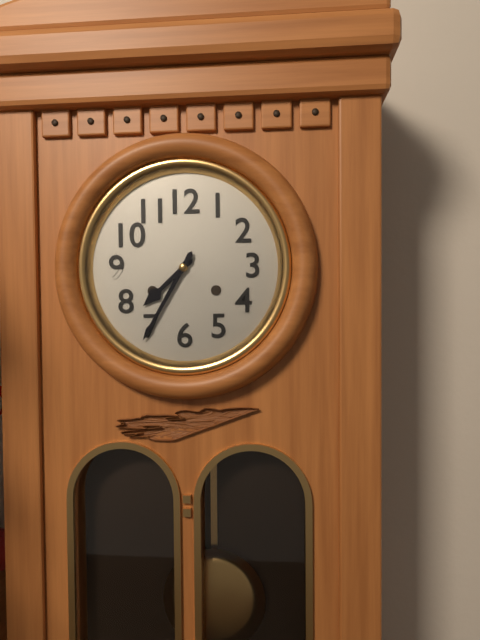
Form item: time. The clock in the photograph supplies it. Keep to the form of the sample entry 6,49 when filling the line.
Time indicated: 7,35
